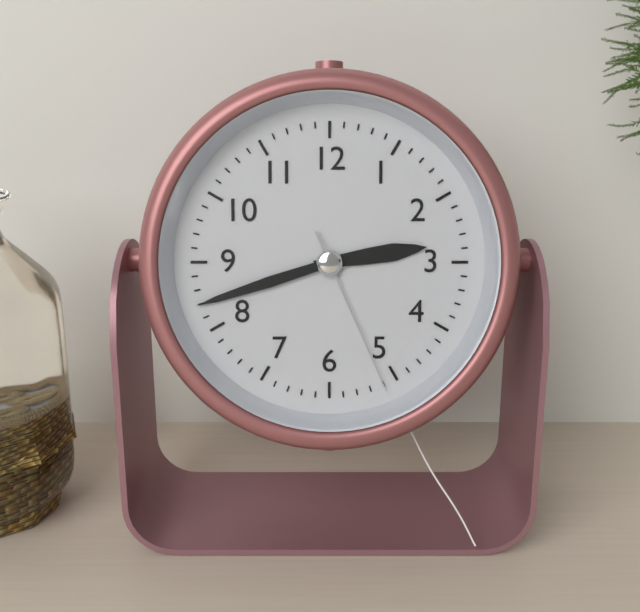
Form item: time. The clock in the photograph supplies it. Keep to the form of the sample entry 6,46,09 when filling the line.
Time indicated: 2,42,26
